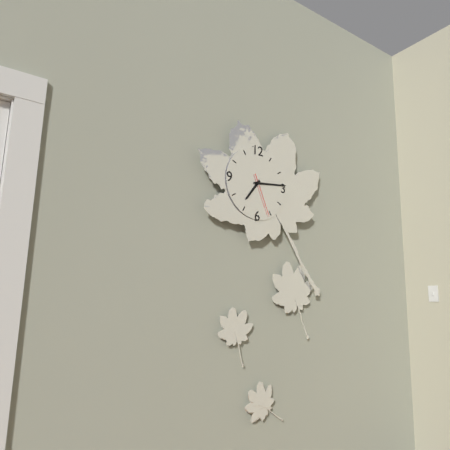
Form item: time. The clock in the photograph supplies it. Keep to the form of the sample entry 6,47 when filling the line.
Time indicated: 7,14
